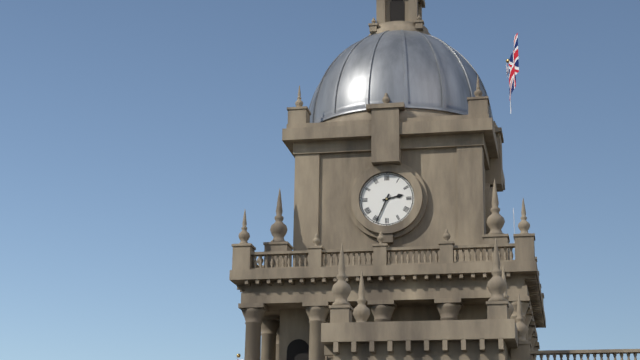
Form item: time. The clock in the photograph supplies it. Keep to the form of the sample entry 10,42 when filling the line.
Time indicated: 2,34
